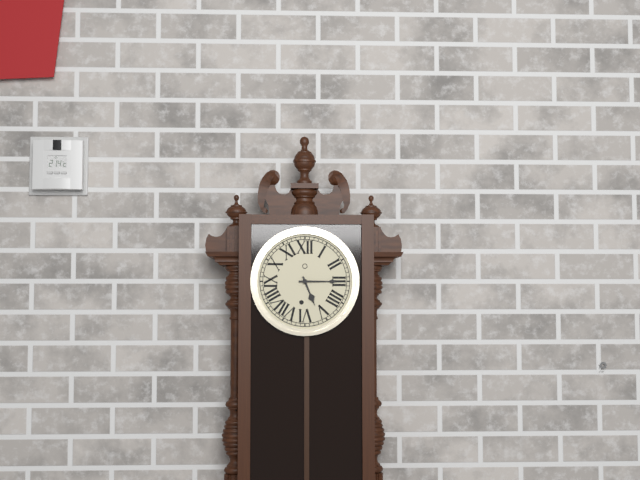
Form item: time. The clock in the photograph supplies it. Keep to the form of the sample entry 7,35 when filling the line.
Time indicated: 5,15
